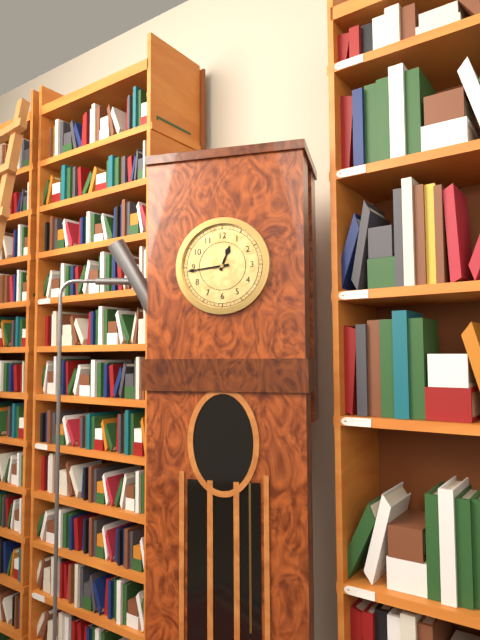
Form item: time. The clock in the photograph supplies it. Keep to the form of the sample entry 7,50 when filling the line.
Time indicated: 12,44
